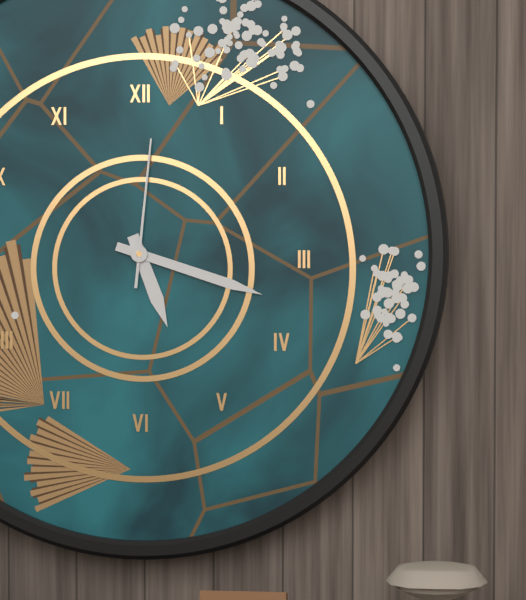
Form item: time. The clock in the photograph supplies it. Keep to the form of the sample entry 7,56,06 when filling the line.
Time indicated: 5,18,01
